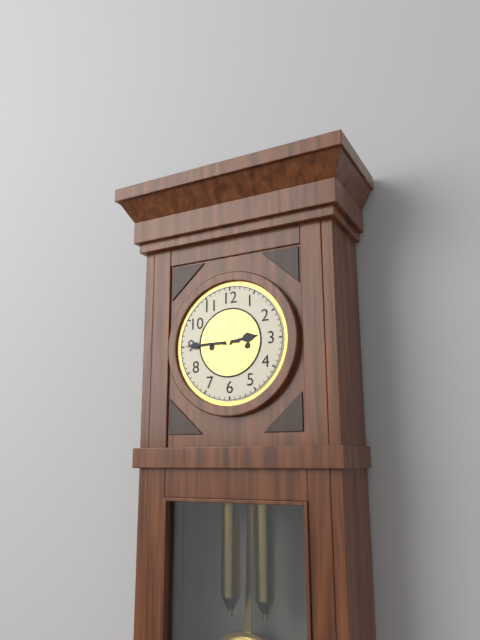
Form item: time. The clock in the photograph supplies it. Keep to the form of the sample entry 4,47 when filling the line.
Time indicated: 2,45
